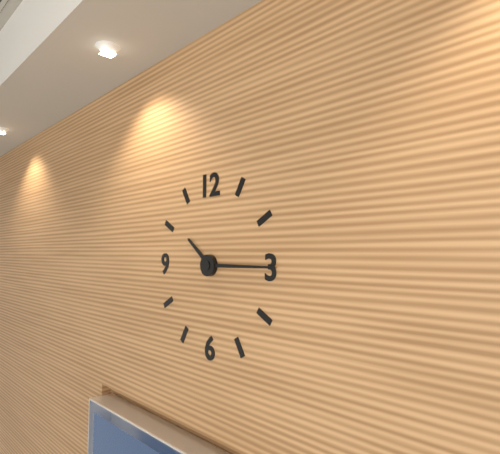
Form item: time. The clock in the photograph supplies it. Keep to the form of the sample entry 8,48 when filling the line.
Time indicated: 10,15
